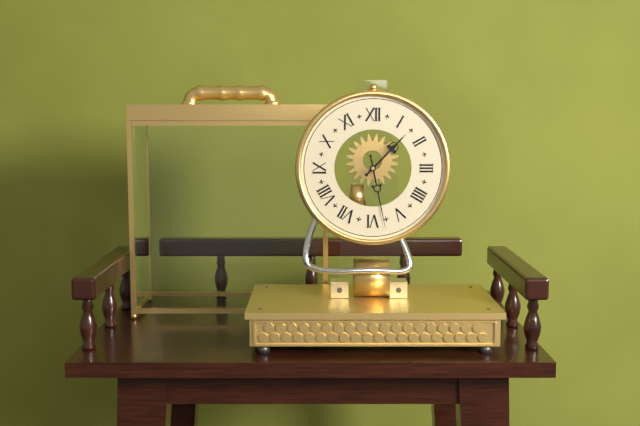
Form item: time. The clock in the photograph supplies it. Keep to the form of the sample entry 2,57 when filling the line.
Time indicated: 1,28
